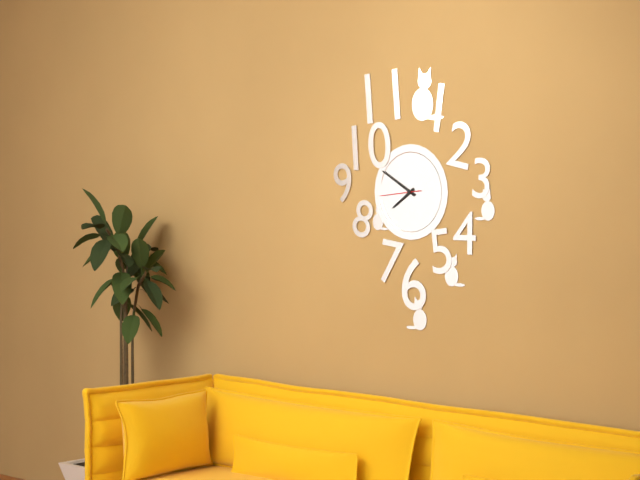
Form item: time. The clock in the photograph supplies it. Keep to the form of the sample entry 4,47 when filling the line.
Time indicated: 7,50
